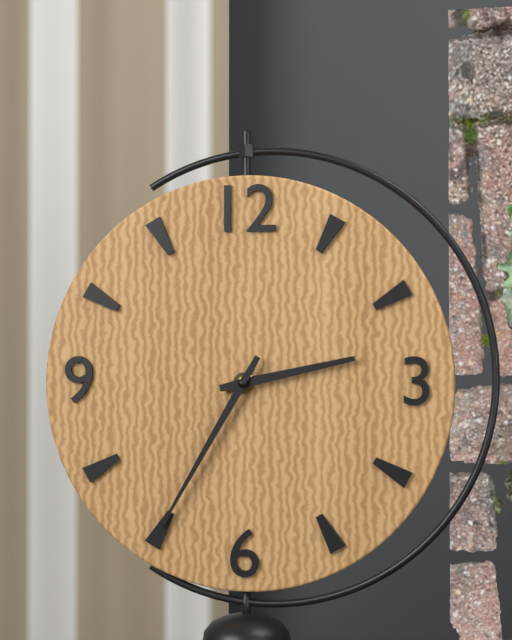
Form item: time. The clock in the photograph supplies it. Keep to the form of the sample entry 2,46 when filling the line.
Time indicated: 2,35
